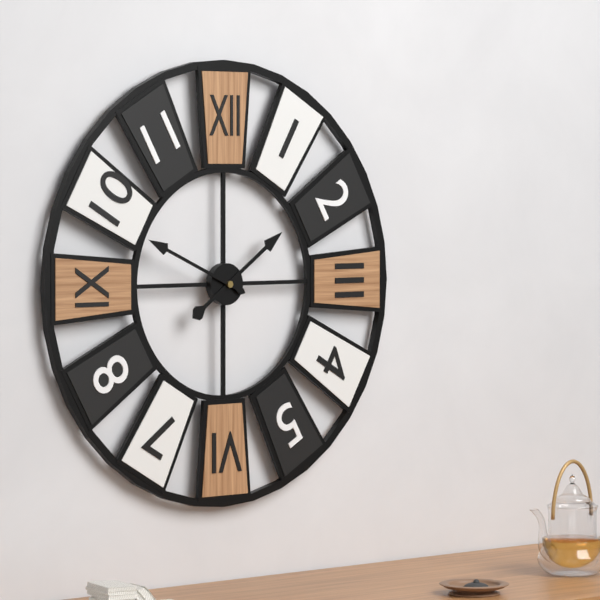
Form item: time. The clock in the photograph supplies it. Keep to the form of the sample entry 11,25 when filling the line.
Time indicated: 1,49
